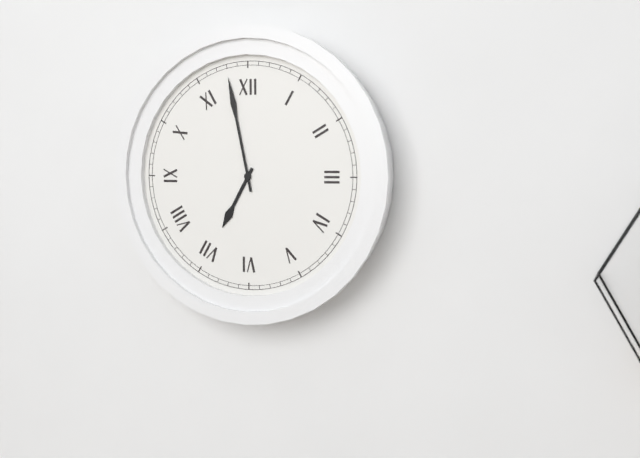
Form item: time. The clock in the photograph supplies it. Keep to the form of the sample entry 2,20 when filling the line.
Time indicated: 6,58
